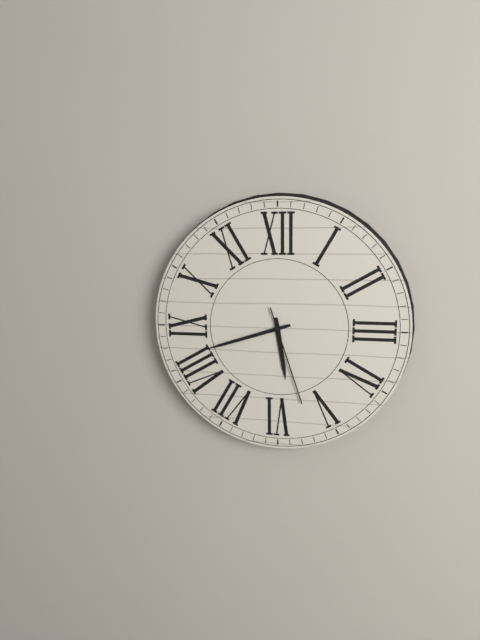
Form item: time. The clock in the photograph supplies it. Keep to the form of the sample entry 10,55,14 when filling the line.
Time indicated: 5,42,27
